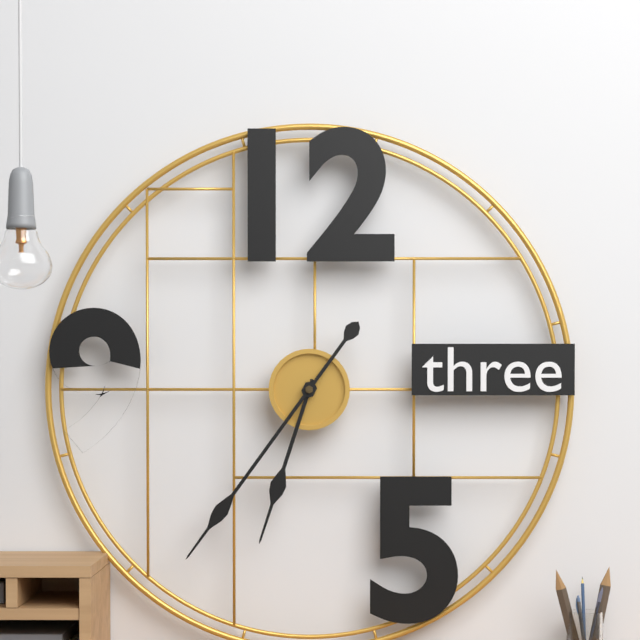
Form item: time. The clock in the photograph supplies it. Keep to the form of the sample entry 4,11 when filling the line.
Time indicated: 6,36
